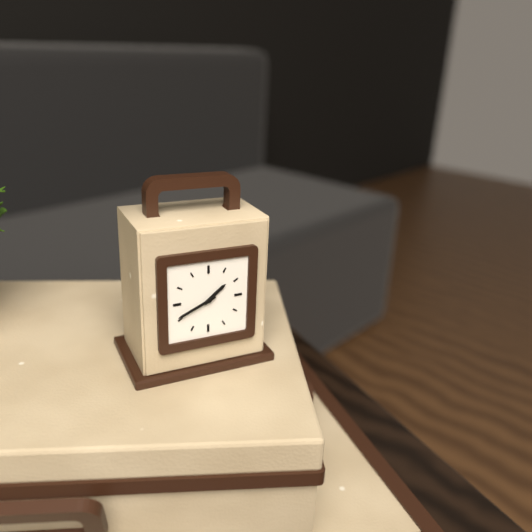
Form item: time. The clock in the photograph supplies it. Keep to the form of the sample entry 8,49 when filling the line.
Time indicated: 1,41
